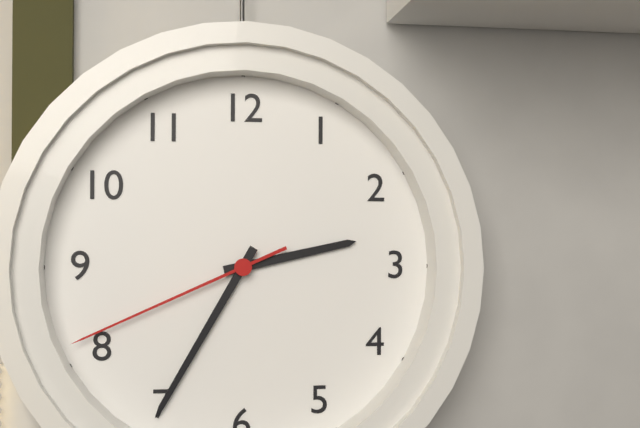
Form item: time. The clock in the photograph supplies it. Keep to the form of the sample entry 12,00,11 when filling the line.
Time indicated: 2,35,41
